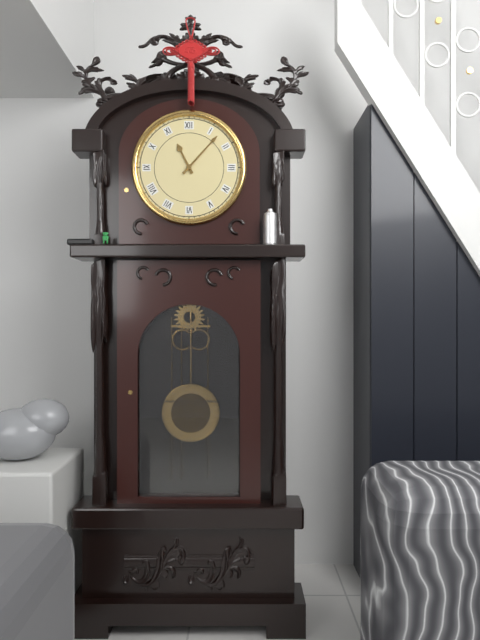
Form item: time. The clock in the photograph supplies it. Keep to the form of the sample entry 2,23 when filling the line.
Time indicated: 11,07
